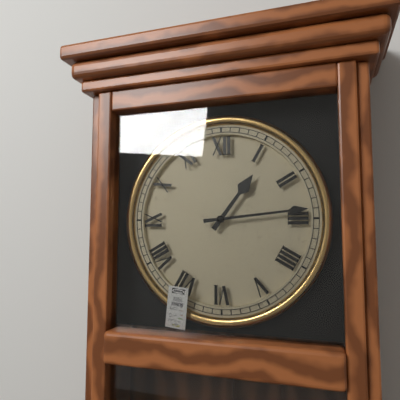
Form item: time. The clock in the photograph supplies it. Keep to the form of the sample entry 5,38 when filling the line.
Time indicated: 1,14
